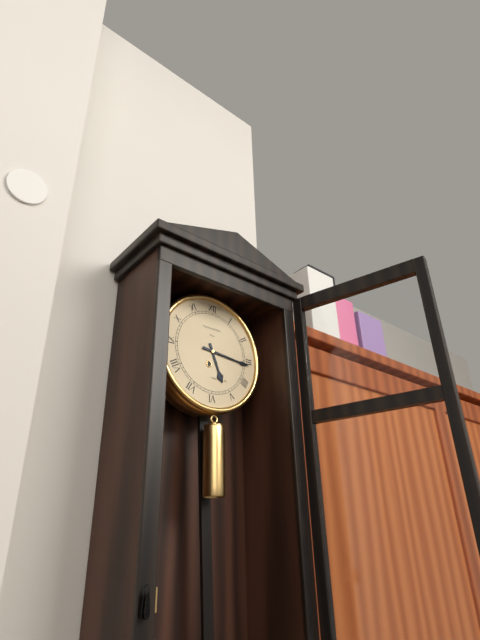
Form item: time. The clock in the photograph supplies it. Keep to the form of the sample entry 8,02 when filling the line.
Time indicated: 5,16
